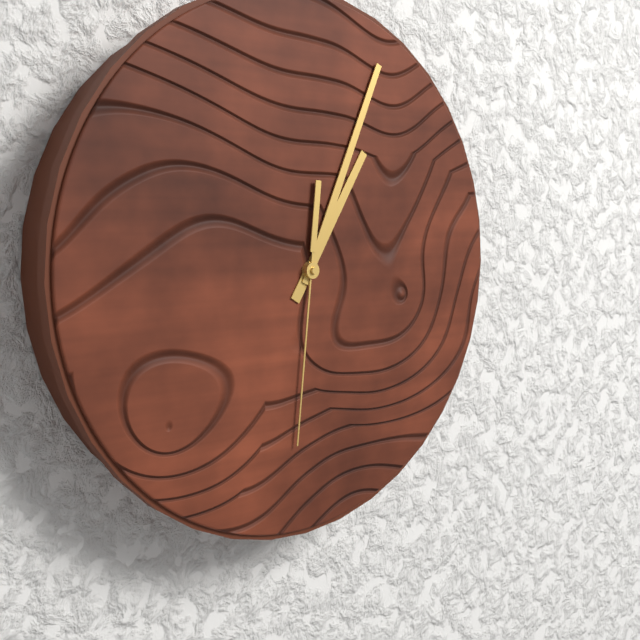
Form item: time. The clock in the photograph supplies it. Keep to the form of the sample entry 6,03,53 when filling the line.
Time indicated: 1,04,31
